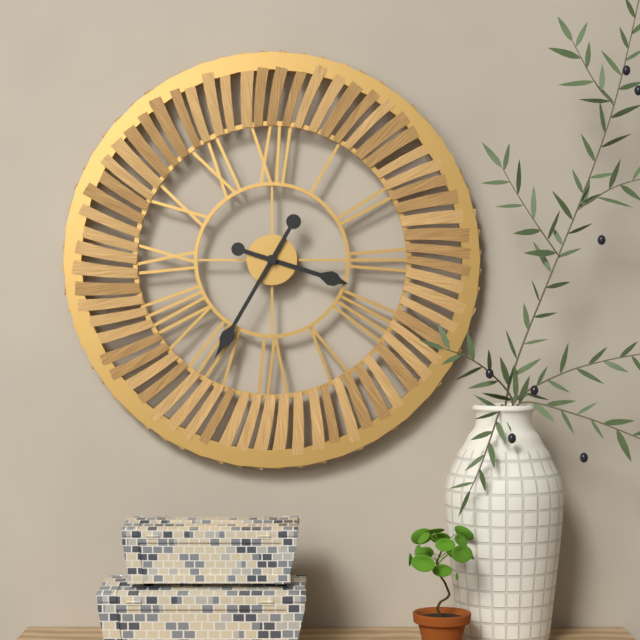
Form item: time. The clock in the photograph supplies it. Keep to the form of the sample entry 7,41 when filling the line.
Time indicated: 3,35
